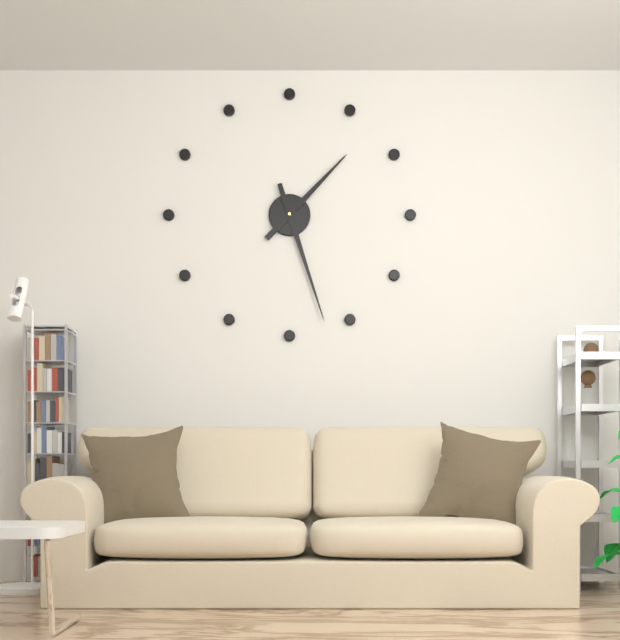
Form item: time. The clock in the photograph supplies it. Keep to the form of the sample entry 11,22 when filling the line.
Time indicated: 1,27
